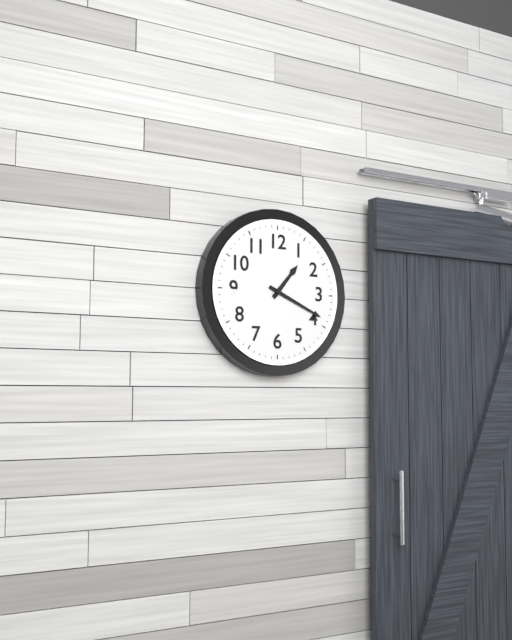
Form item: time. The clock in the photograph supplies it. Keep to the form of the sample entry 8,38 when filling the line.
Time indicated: 1,19
